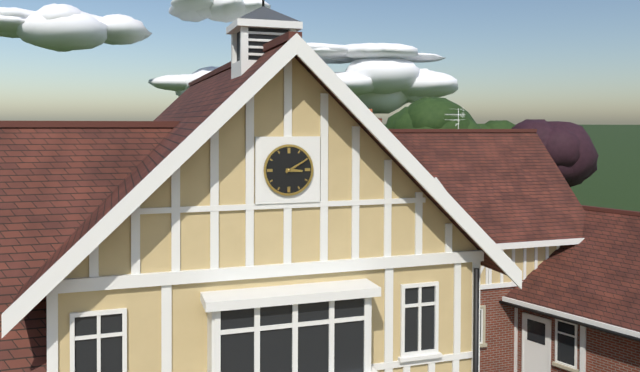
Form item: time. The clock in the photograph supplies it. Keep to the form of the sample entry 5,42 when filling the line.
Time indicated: 3,10
